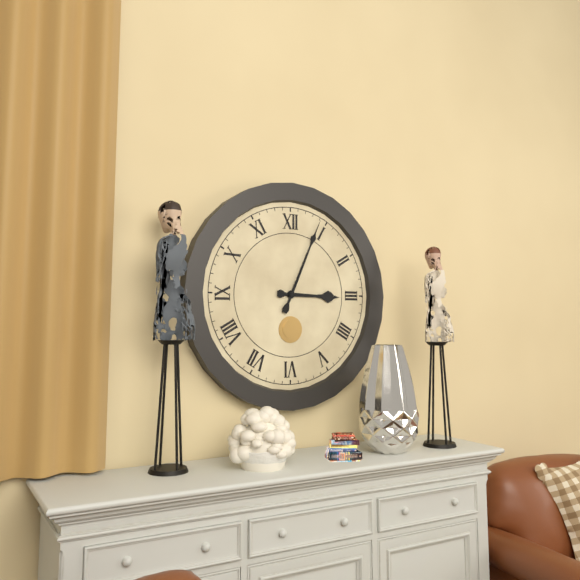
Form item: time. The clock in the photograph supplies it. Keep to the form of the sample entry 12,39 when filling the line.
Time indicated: 3,04
